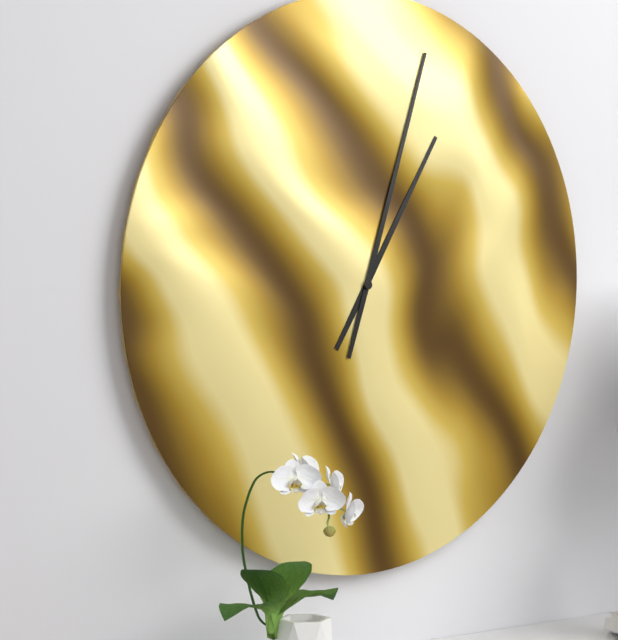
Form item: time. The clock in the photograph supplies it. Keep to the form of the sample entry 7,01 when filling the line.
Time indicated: 1,03
